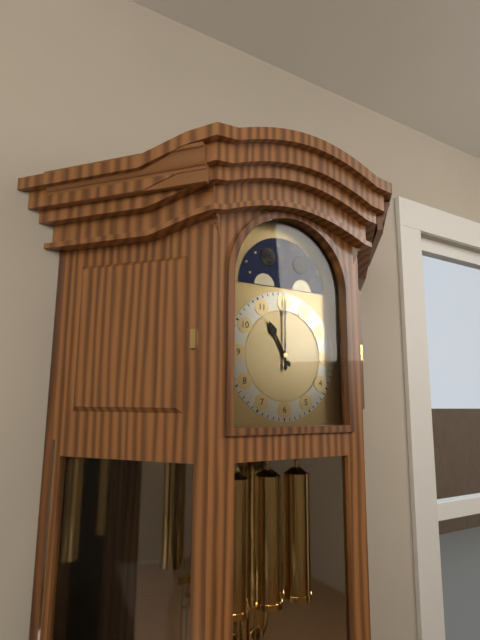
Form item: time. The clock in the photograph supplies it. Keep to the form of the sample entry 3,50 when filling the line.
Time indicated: 11,00
